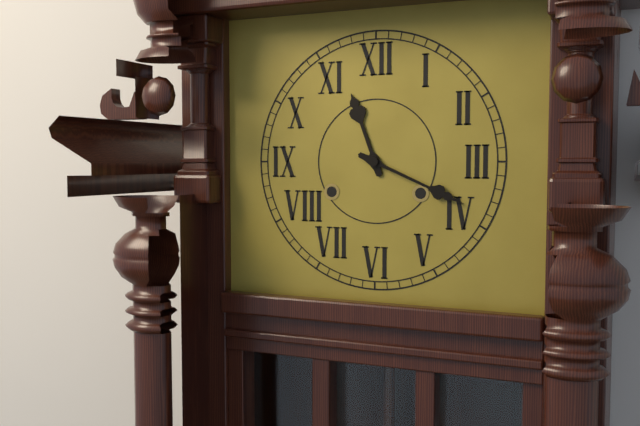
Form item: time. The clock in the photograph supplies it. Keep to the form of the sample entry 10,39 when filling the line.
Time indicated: 11,19
